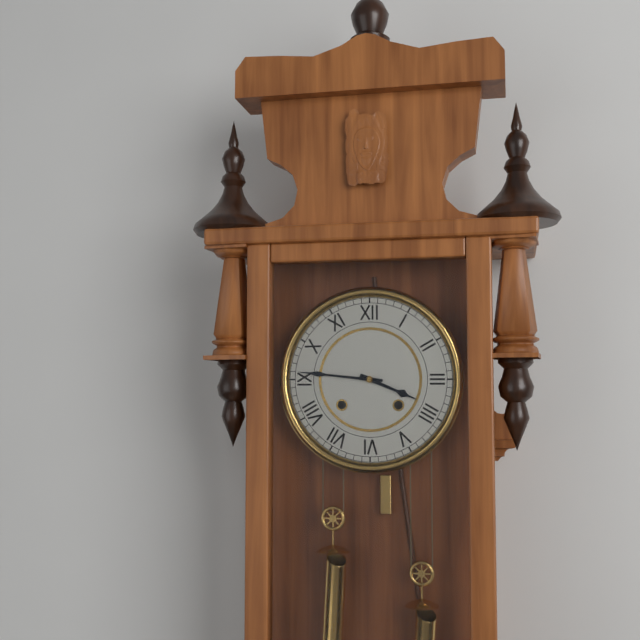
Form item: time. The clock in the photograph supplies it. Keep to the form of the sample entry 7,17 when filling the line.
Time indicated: 3,46
